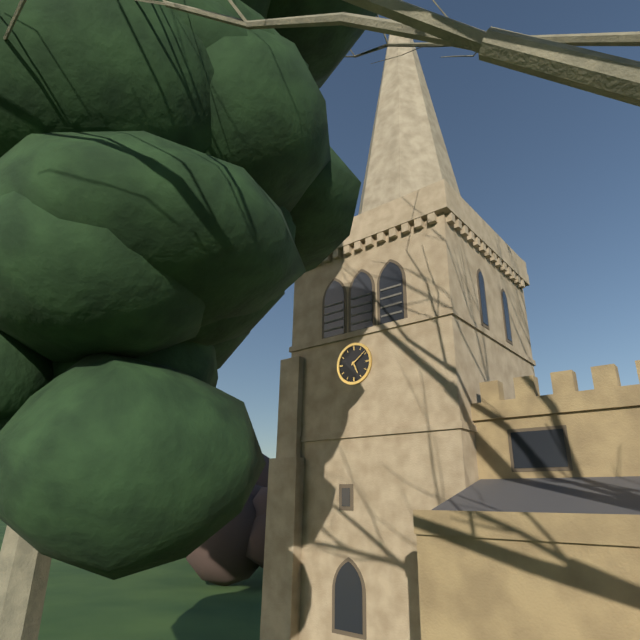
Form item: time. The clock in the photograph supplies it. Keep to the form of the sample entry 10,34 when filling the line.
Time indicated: 5,09
